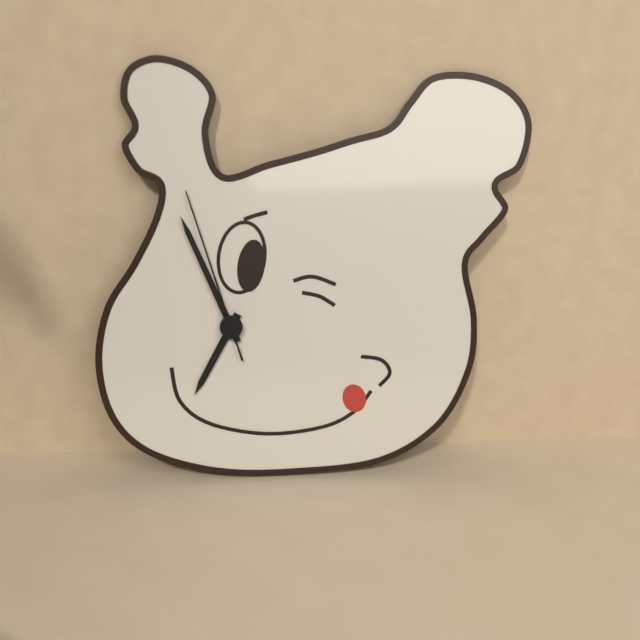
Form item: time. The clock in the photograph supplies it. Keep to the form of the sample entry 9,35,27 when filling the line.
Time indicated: 6,56,57
